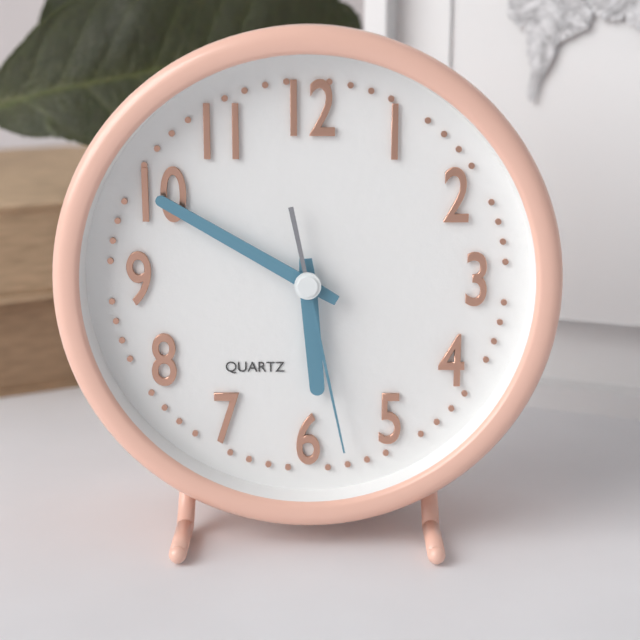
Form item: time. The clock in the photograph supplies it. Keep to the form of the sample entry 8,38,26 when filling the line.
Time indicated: 5,50,28
